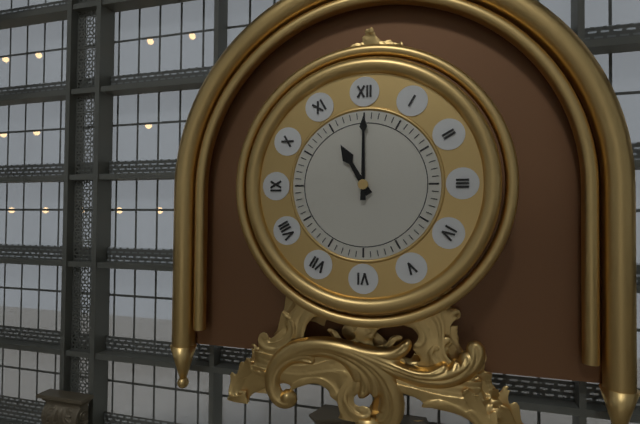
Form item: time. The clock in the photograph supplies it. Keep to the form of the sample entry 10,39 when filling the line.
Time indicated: 11,00
